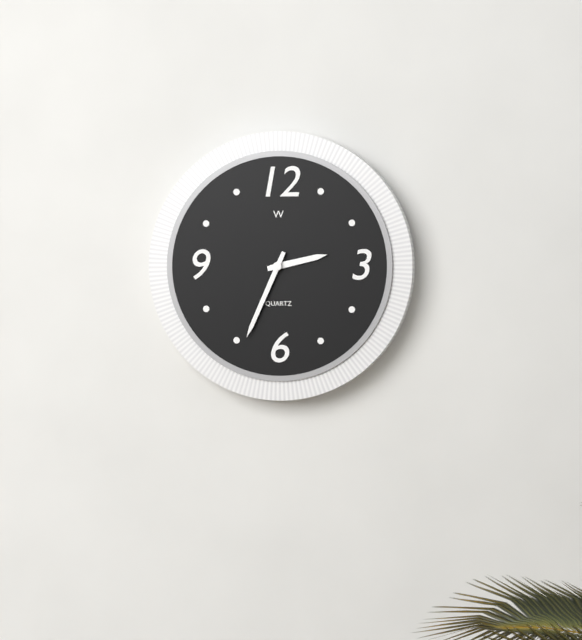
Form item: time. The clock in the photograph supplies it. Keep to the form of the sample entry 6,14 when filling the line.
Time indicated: 2,34
